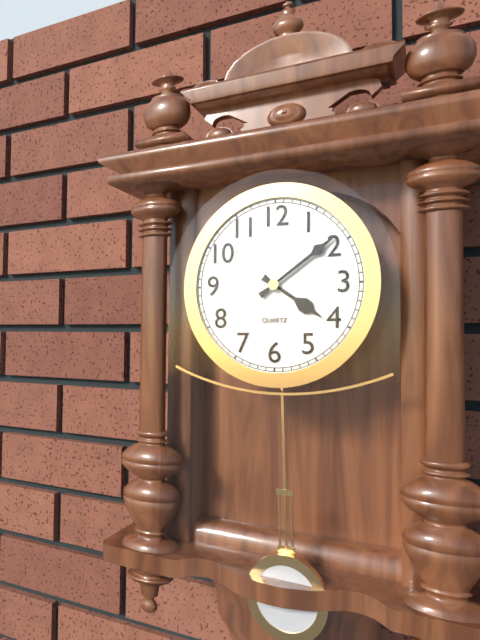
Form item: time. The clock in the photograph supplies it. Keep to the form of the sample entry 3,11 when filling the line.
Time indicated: 4,09
